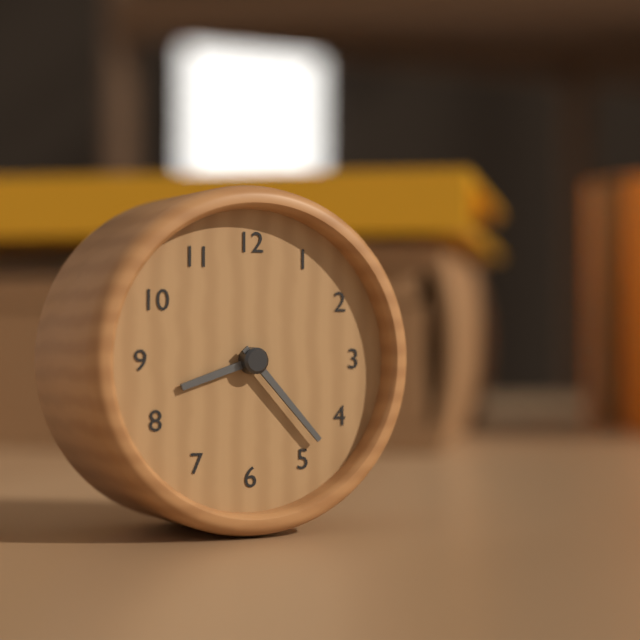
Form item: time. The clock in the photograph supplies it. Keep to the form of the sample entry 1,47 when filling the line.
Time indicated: 8,23
